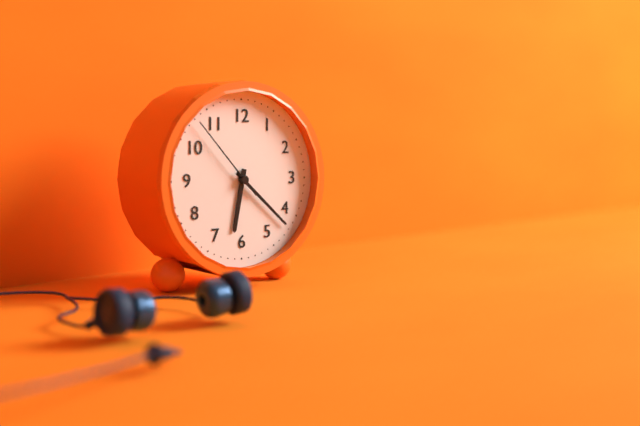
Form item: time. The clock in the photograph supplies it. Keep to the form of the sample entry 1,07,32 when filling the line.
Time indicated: 6,22,53
